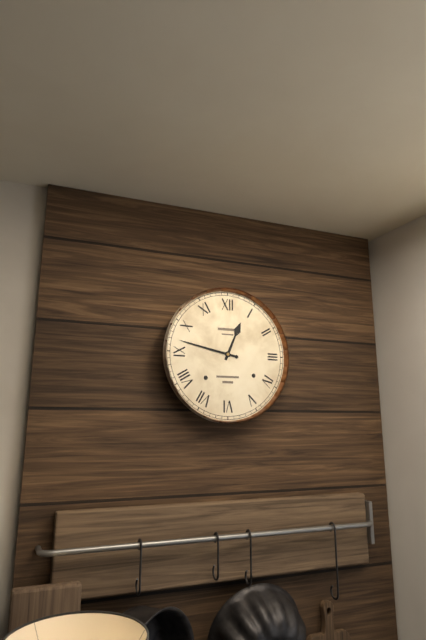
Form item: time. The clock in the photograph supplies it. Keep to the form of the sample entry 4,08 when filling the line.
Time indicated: 12,47
